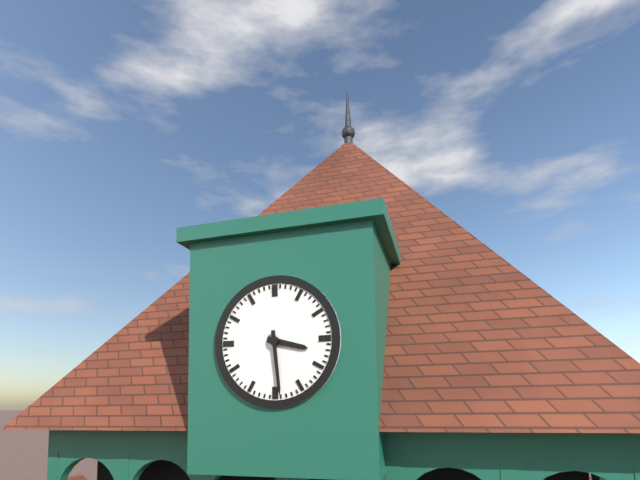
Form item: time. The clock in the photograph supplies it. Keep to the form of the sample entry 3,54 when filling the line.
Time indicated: 3,29
